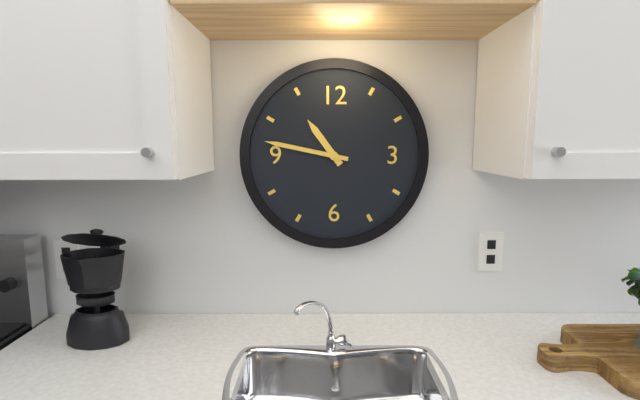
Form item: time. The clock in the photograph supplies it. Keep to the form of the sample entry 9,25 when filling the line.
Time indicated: 10,47
